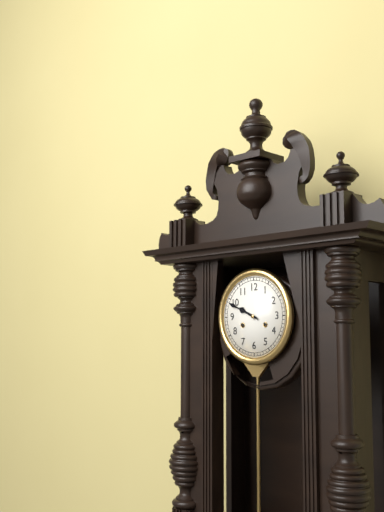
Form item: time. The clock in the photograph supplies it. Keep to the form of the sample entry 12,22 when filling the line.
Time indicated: 9,49
